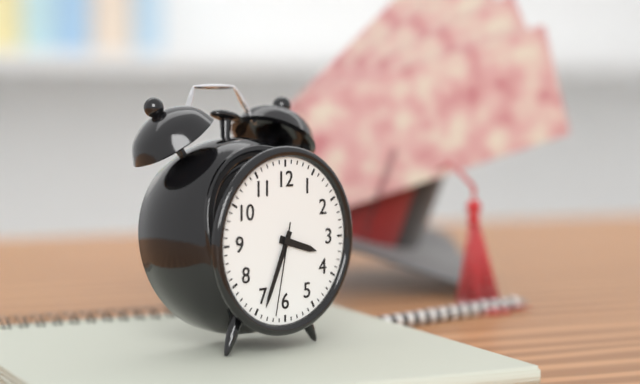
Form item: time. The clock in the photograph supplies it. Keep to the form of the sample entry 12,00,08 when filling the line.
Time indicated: 3,34,32
